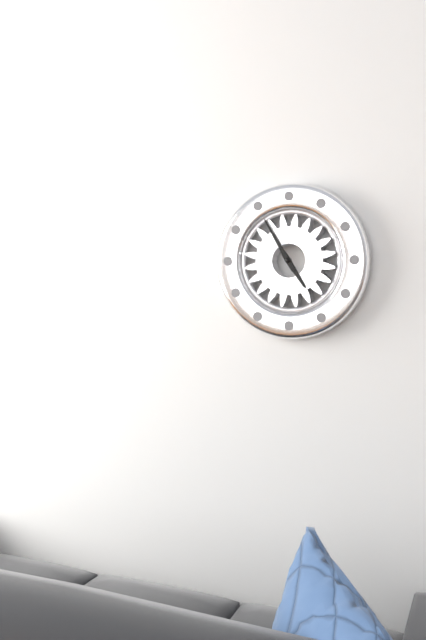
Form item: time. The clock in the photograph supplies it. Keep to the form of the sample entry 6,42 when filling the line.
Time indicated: 4,55
